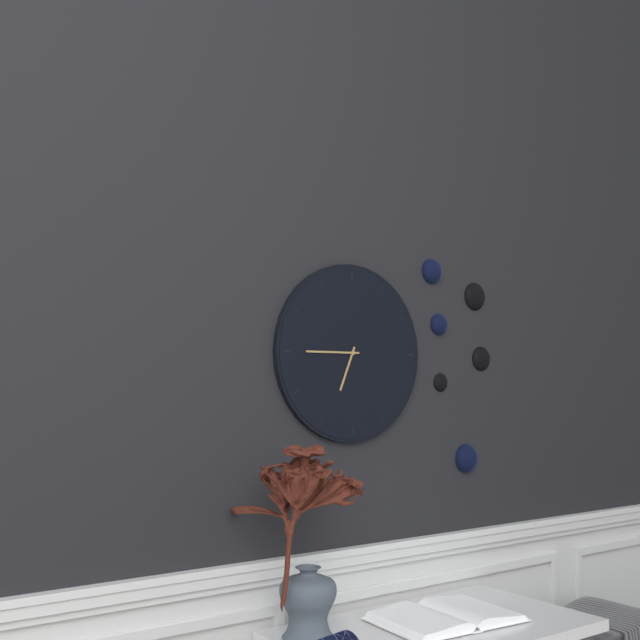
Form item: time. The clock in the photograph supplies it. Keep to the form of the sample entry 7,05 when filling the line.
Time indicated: 6,45
